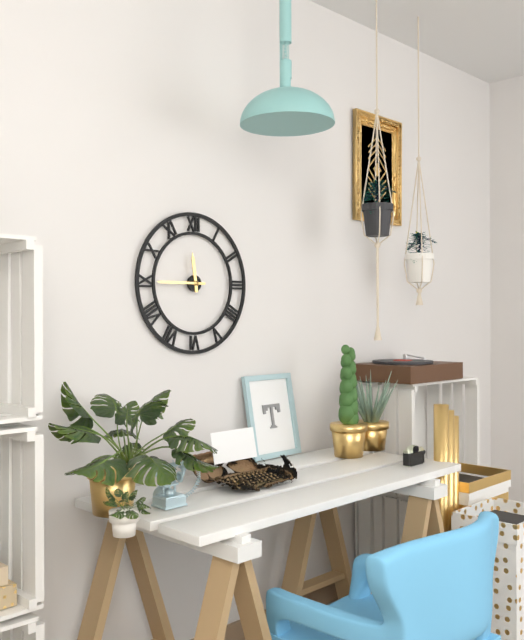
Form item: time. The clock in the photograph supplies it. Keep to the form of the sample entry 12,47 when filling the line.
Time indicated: 11,45
